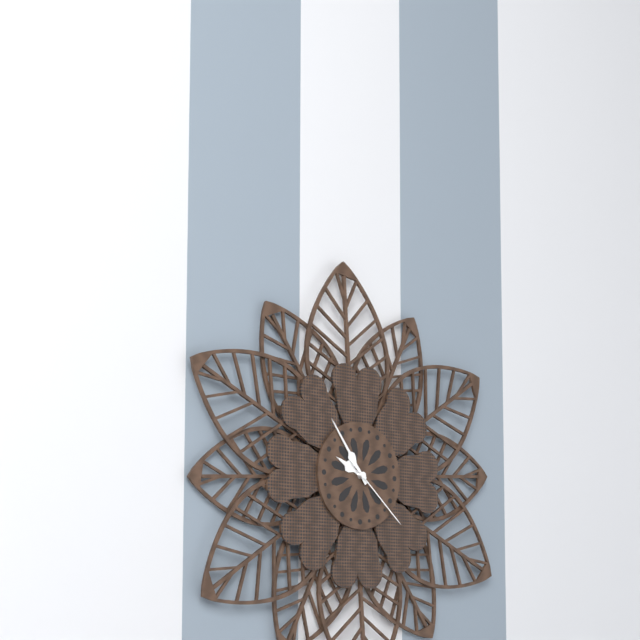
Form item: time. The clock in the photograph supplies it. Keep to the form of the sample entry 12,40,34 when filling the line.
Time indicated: 9,54,22
